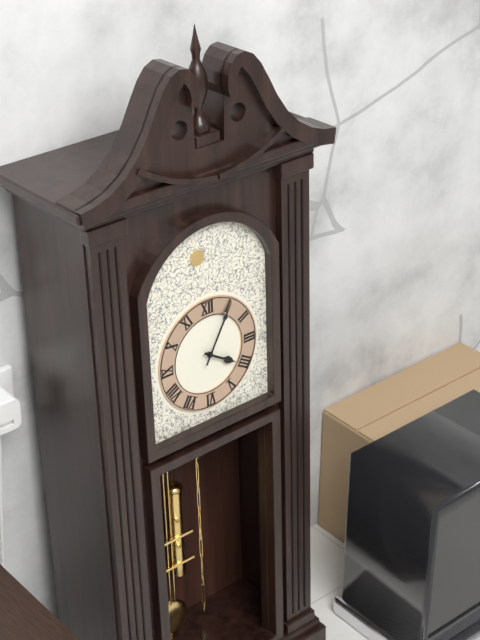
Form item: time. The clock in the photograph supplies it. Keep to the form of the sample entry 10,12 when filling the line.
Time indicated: 4,05
